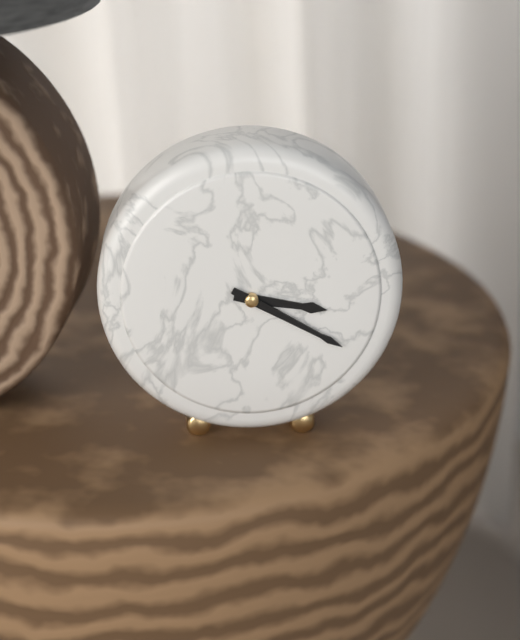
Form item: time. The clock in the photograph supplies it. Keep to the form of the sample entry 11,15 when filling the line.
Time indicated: 3,20
